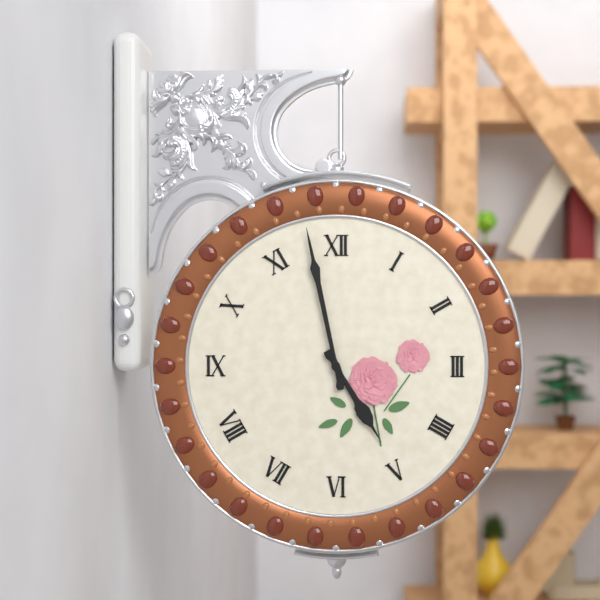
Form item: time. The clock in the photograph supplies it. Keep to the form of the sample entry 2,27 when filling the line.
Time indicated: 4,58
